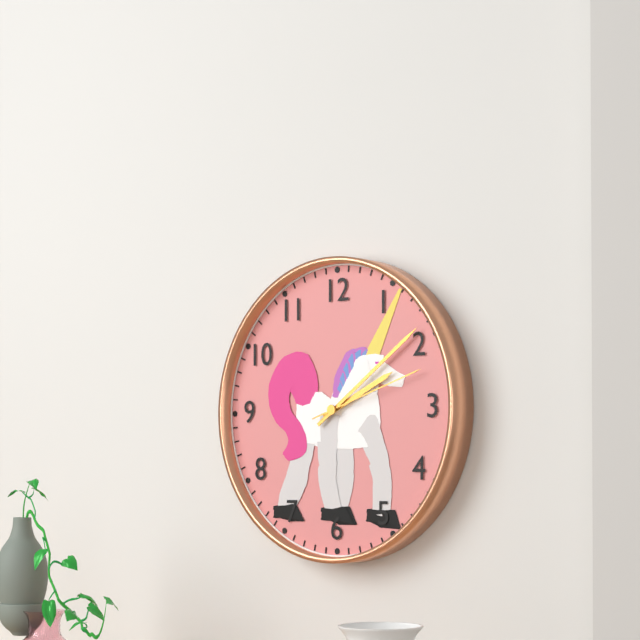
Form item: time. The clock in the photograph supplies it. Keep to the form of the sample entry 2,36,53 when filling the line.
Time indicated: 2,09,12
